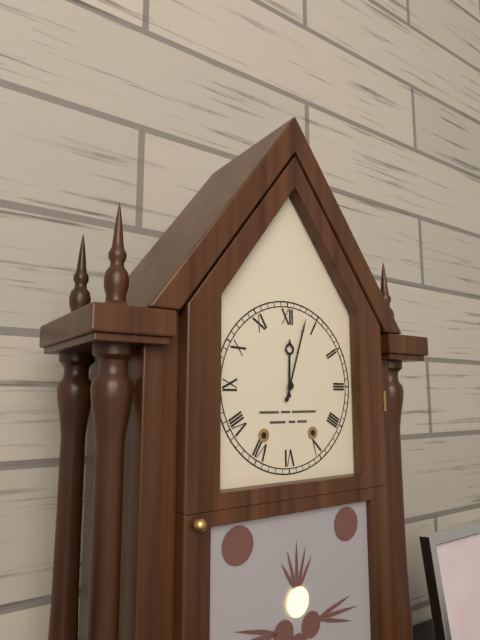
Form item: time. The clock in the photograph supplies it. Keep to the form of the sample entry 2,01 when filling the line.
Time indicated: 12,03
